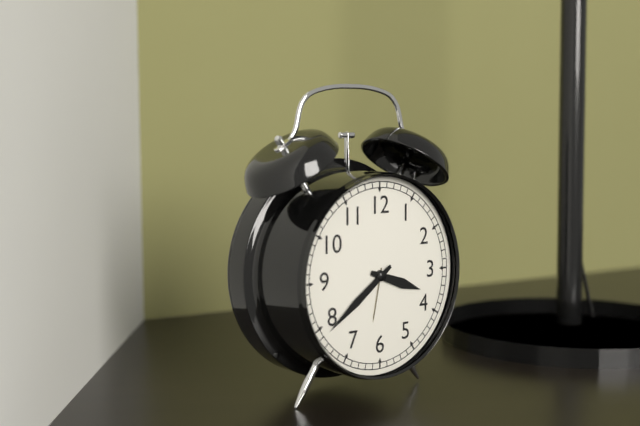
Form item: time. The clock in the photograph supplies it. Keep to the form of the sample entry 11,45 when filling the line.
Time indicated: 3,39
